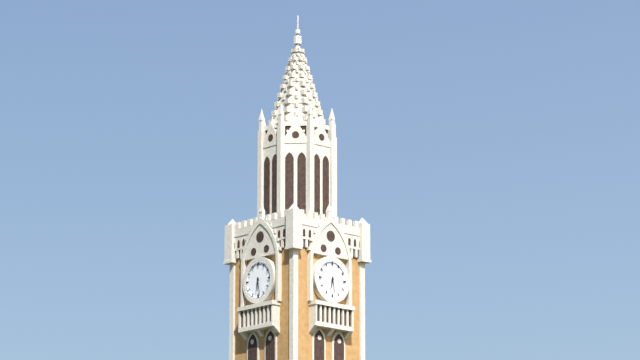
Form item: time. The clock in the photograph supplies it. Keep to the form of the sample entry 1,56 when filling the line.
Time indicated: 6,28
